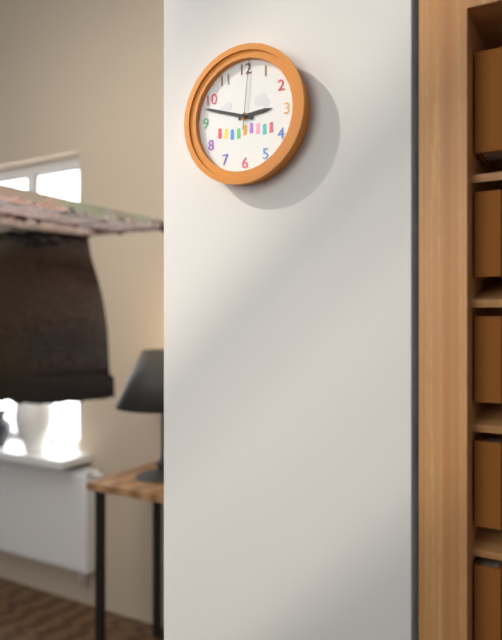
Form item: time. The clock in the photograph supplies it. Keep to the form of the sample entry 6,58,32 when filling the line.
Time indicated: 2,48,01
